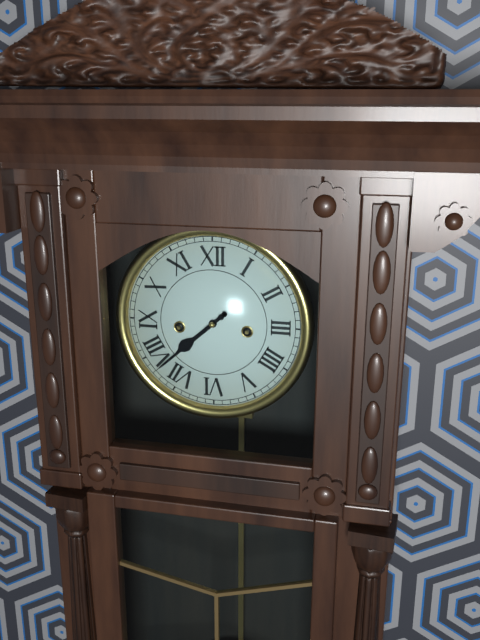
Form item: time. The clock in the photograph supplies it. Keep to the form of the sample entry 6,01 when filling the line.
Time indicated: 7,38
